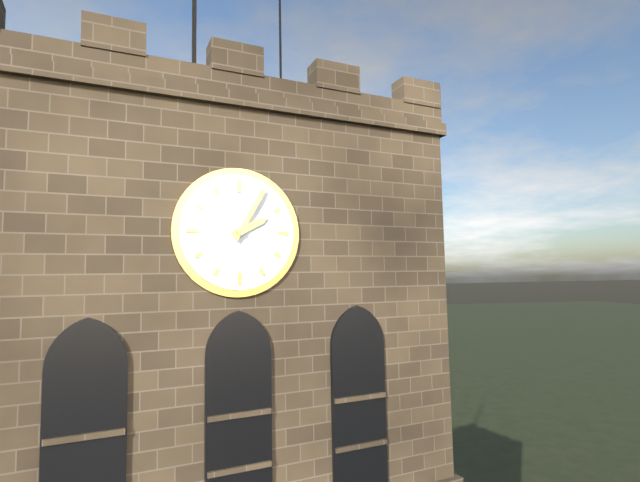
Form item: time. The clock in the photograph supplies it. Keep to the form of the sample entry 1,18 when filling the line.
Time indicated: 2,05
